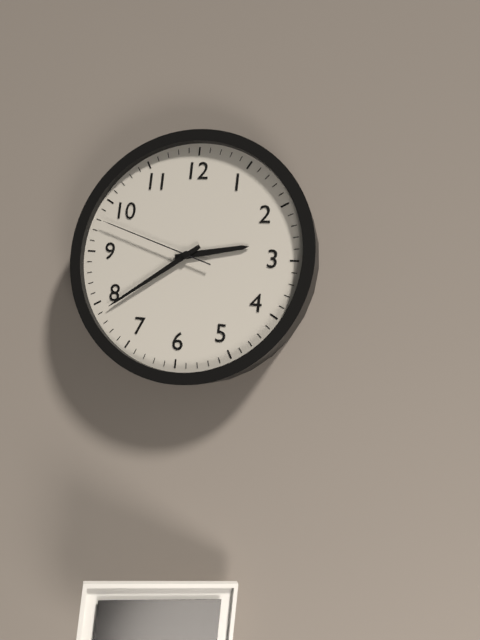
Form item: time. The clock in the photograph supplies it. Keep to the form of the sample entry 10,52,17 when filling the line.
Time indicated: 2,39,48
